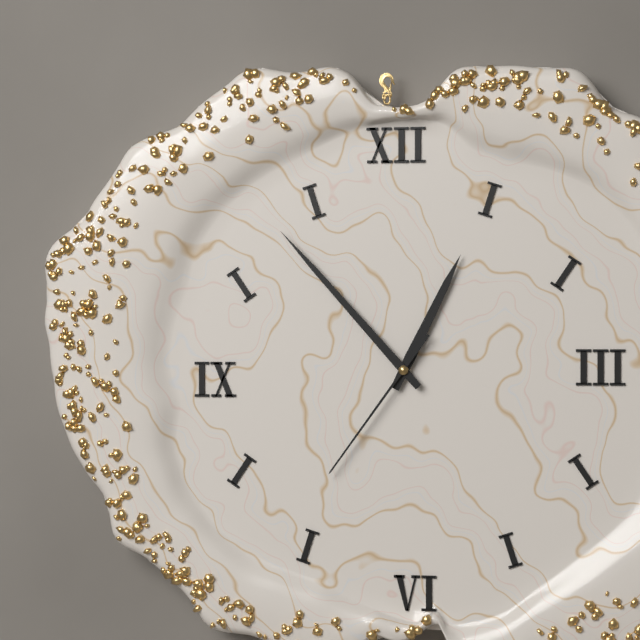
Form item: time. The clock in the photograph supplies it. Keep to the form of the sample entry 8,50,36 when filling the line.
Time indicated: 12,53,36
